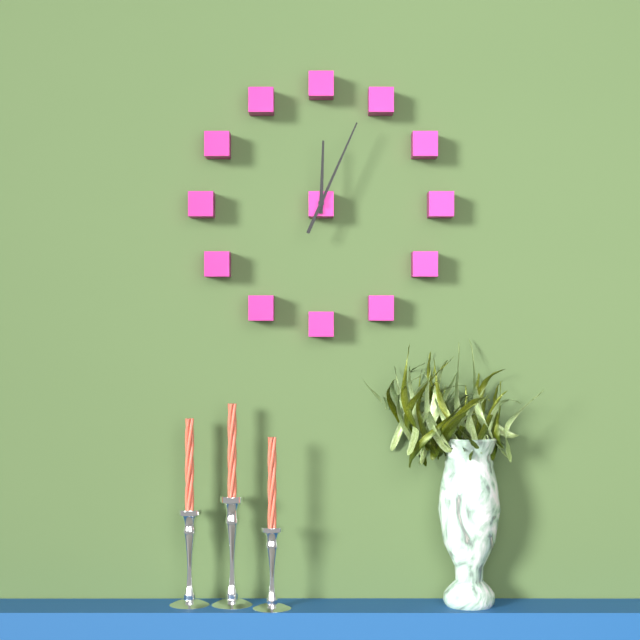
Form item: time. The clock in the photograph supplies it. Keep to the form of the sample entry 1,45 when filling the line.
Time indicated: 12,04
